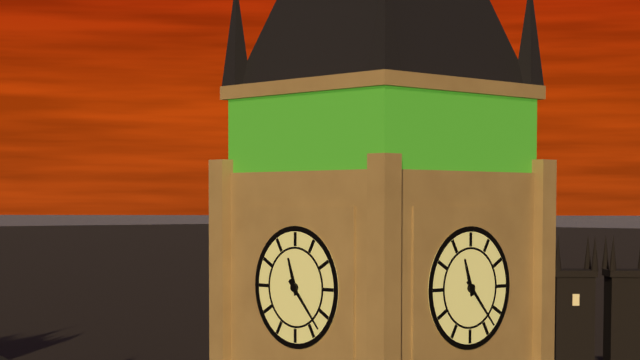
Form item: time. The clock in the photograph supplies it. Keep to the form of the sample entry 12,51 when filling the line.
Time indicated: 11,23
